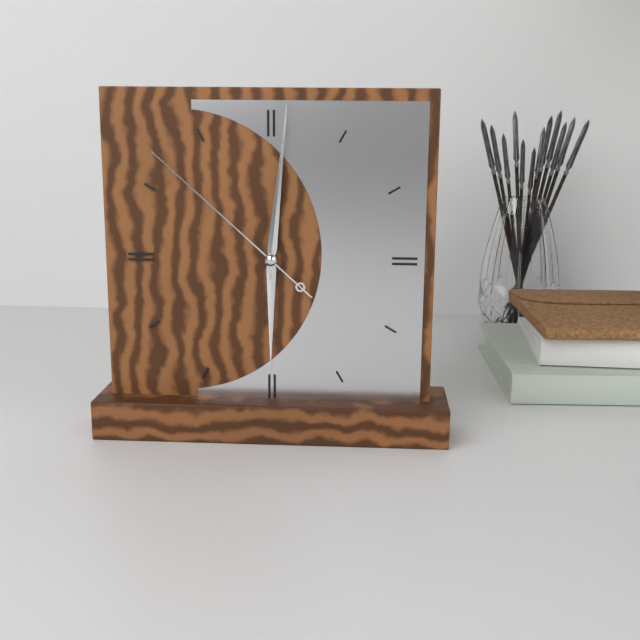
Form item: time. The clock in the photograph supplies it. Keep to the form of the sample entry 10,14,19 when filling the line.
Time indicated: 6,01,52
